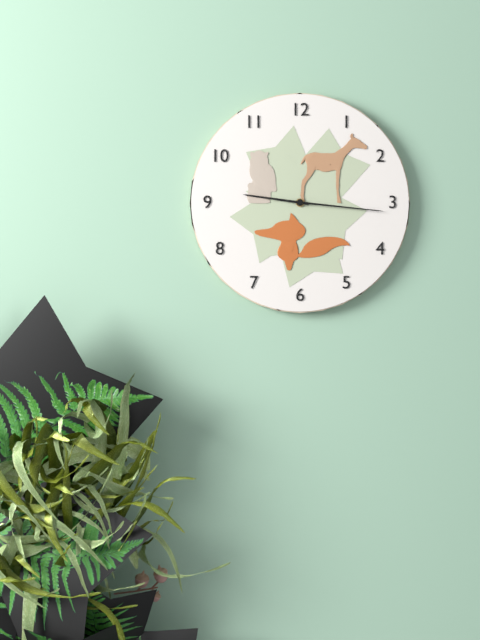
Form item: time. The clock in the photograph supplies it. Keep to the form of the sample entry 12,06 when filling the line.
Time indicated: 9,16
